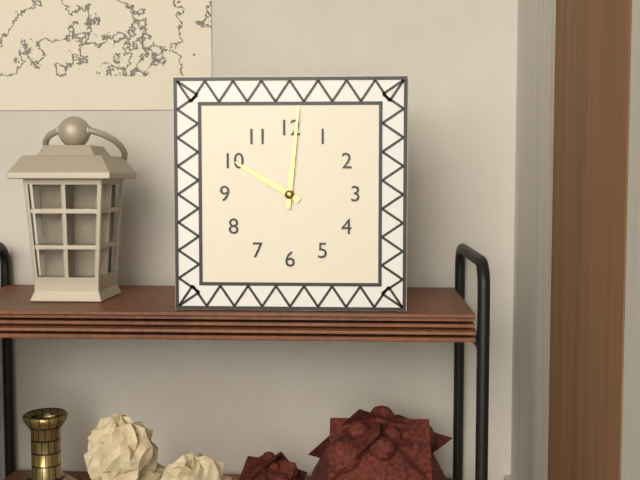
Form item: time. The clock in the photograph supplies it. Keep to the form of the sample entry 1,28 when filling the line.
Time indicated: 10,01
